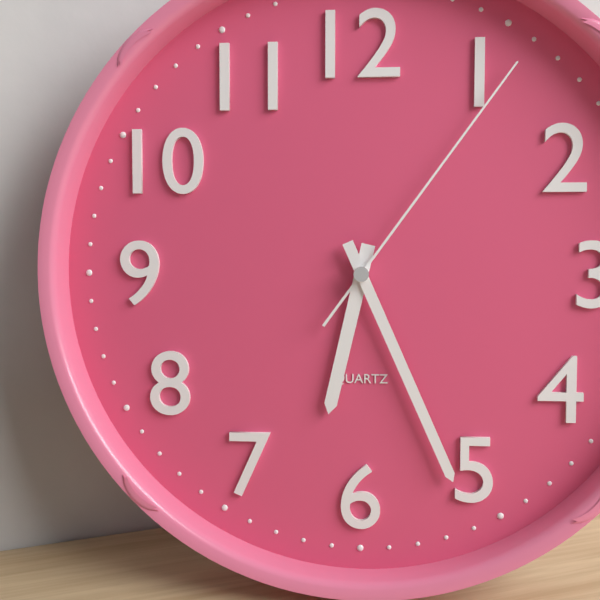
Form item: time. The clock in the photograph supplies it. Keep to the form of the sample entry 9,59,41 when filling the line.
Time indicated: 6,26,06
